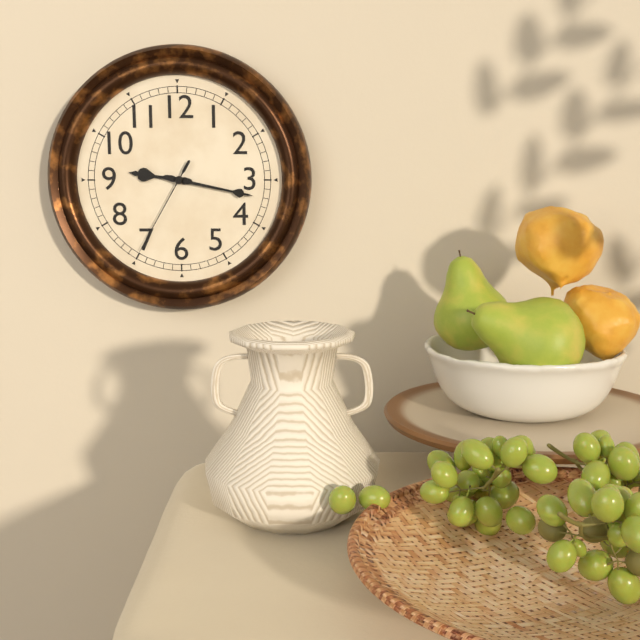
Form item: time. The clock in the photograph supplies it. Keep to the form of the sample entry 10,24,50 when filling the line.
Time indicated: 9,17,35
